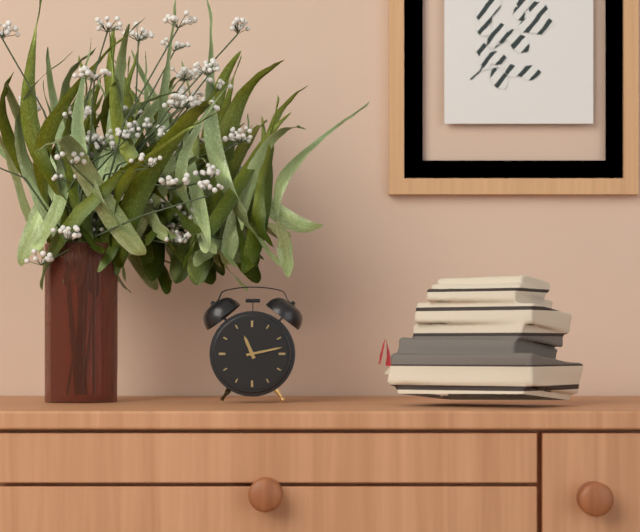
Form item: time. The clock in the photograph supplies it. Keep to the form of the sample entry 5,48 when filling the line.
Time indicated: 11,13
